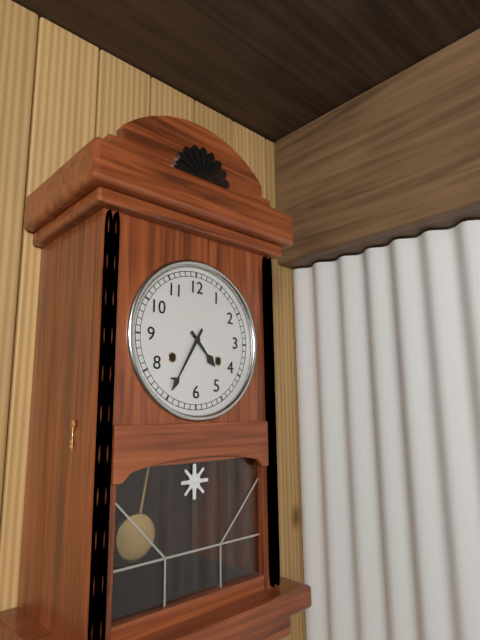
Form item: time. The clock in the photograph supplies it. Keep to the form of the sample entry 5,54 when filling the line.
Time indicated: 4,35
